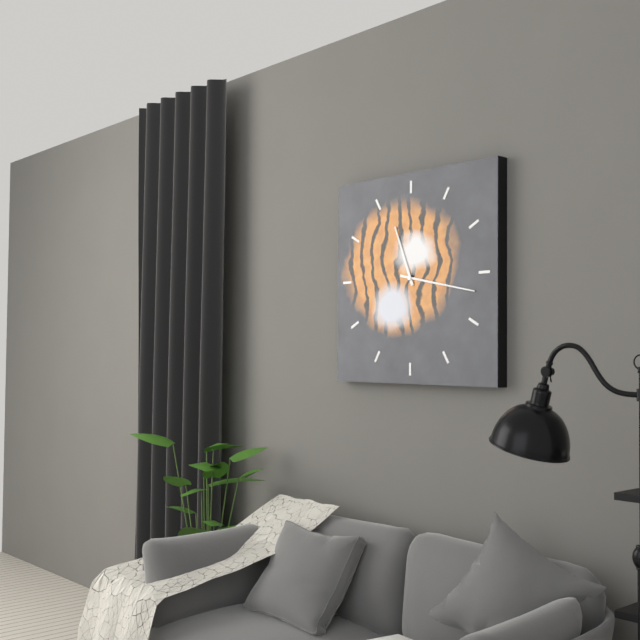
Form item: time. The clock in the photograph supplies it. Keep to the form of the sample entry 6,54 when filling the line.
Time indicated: 11,17
